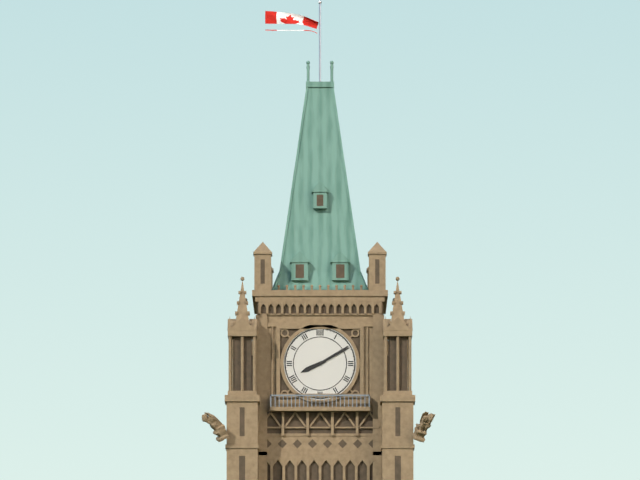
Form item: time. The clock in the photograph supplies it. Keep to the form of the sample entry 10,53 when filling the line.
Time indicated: 8,10
